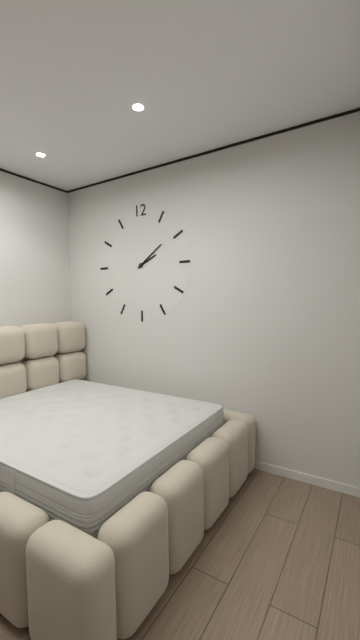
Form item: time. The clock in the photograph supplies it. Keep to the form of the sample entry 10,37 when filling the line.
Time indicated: 2,09
